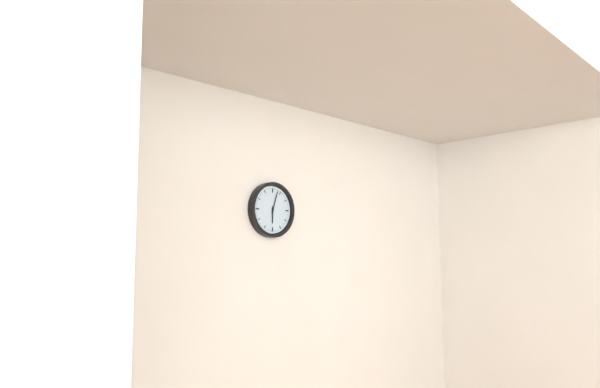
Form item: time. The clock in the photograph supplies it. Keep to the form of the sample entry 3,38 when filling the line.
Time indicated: 6,03
